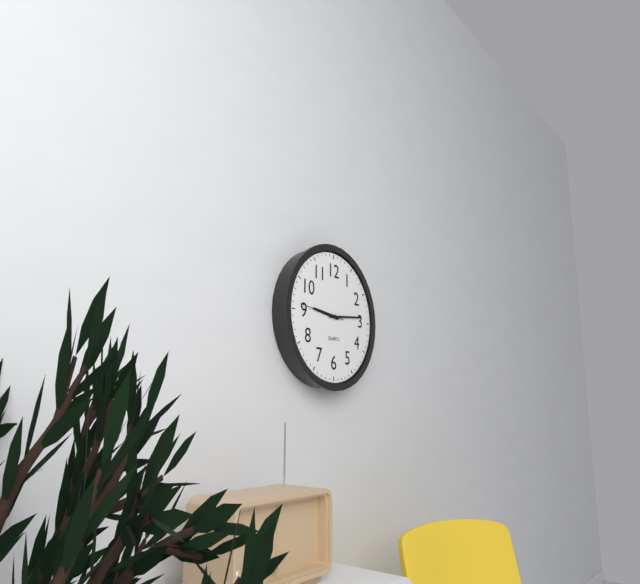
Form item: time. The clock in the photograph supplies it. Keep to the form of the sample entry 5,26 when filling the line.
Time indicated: 9,14
